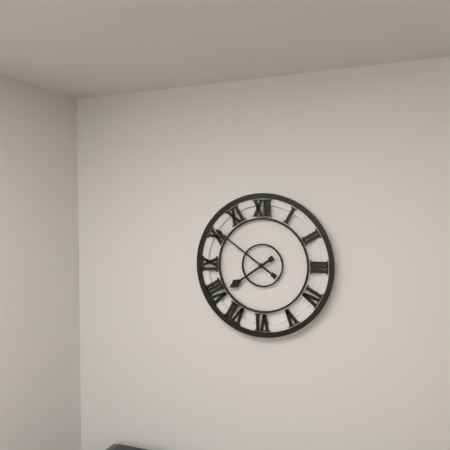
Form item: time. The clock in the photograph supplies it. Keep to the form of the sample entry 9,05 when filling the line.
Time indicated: 7,51
